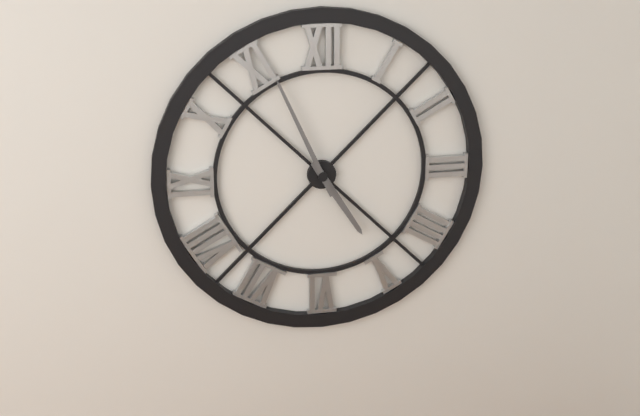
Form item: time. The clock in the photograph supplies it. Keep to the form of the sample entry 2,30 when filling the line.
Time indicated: 4,56
